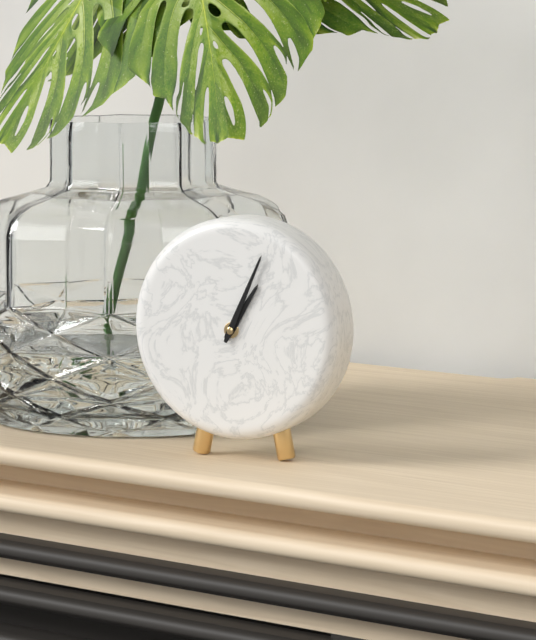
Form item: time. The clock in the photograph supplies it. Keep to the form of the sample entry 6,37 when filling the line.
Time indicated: 1,04
